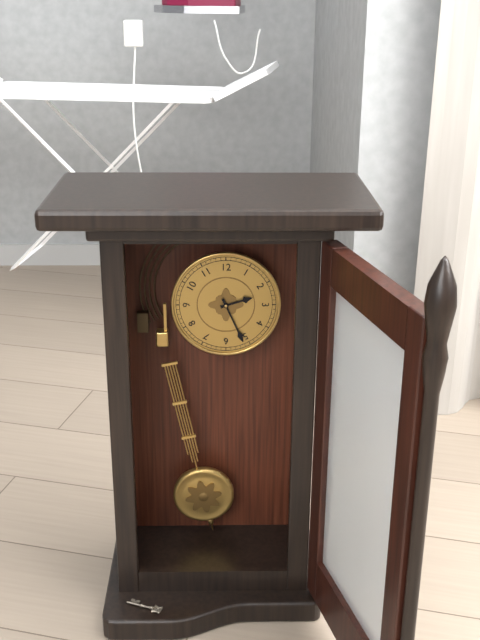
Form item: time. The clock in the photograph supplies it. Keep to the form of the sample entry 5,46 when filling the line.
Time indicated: 2,26
